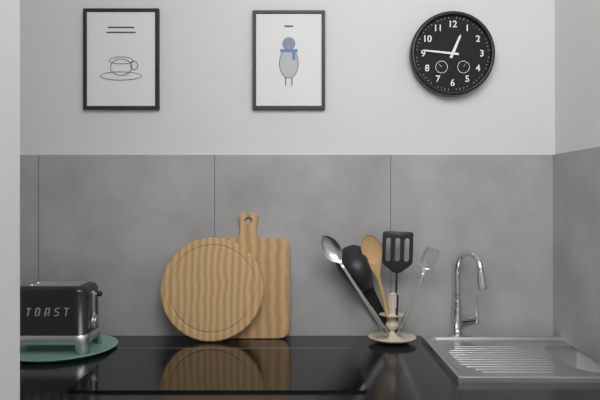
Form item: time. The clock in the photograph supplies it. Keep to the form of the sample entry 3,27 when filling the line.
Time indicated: 12,46
